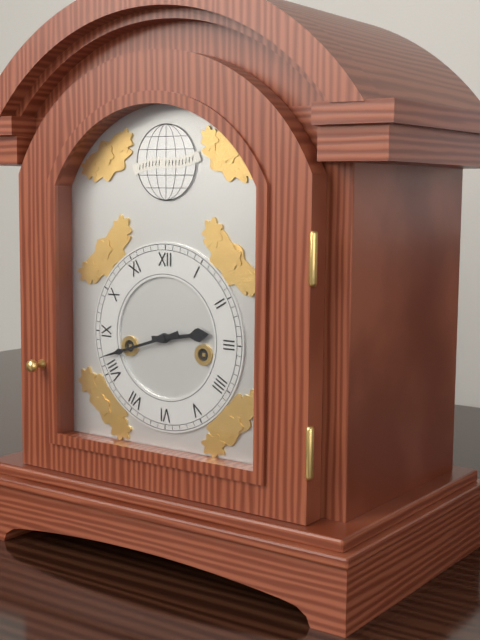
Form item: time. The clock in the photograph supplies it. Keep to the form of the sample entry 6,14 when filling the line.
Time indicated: 2,42
